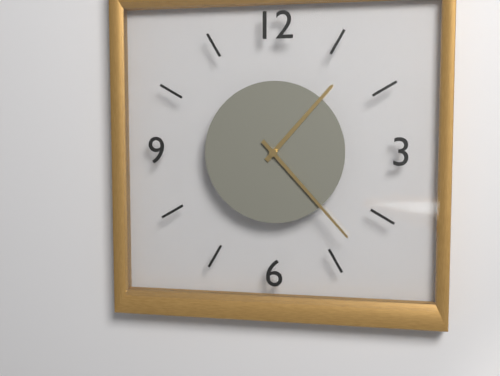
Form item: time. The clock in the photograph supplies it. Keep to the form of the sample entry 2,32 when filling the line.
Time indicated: 1,23
